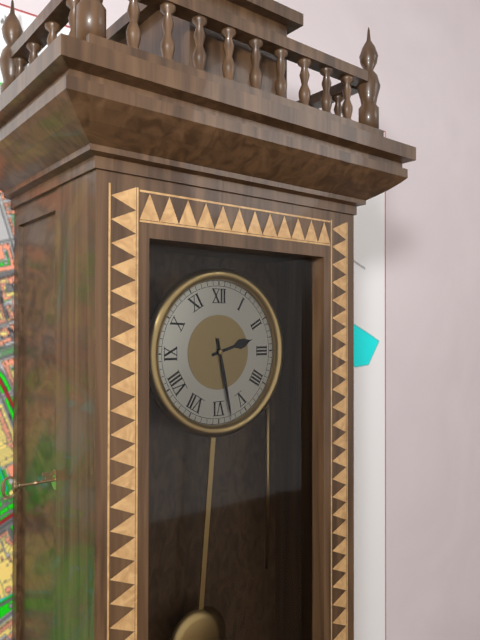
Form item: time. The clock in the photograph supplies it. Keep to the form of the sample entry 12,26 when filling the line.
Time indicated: 2,28
